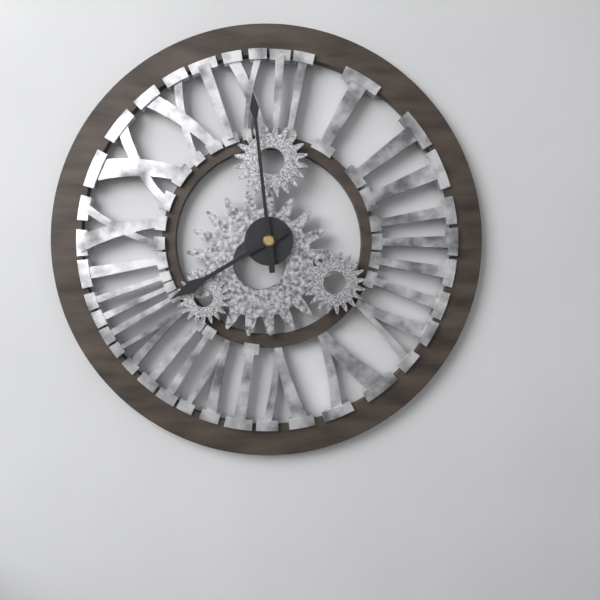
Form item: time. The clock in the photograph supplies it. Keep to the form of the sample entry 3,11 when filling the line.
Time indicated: 7,59
